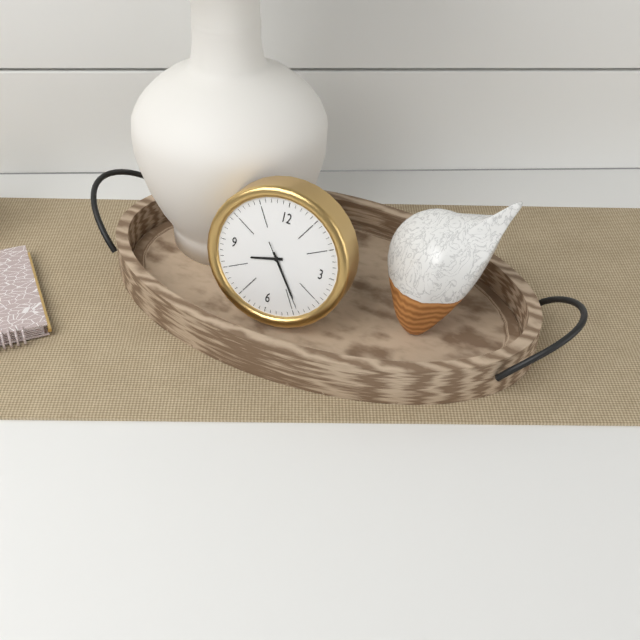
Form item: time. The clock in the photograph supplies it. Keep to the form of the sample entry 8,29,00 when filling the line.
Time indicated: 8,24,24
